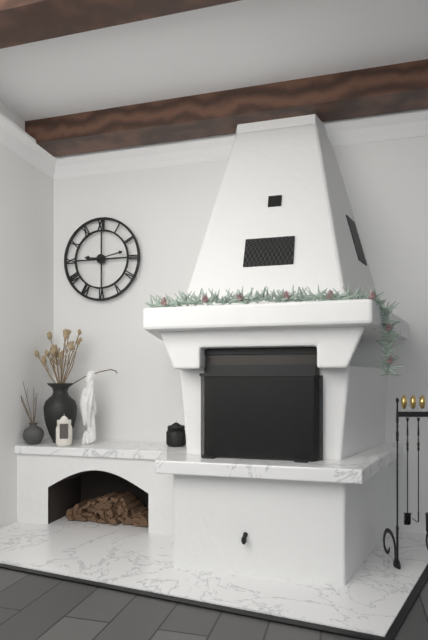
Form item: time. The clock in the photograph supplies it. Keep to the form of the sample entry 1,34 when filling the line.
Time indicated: 9,13
